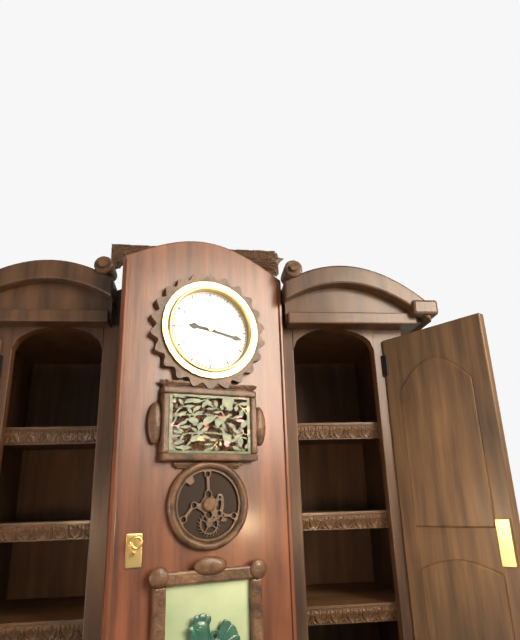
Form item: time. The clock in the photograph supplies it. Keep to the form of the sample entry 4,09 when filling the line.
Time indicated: 9,17
